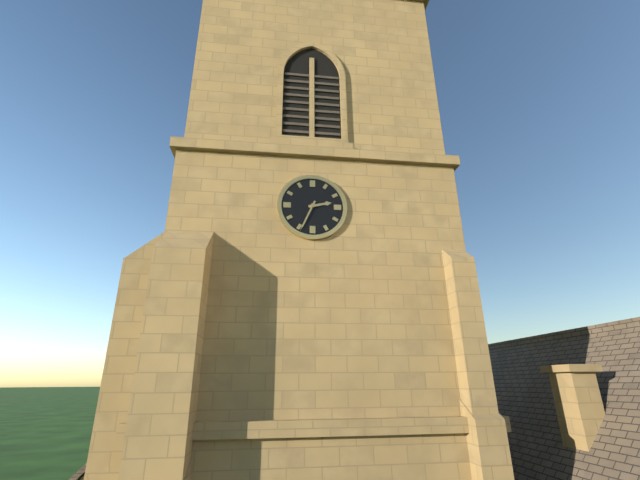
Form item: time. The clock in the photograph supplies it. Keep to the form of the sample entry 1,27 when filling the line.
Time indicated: 2,34
